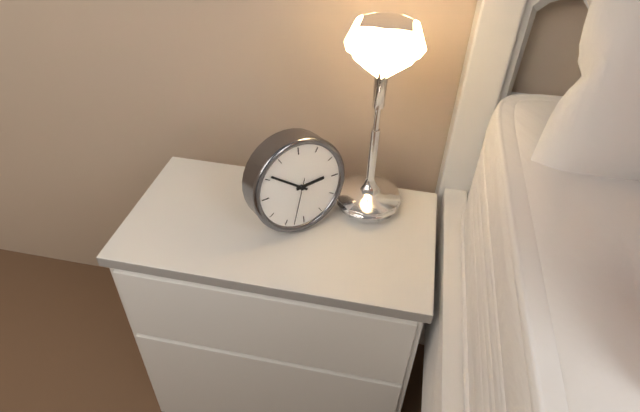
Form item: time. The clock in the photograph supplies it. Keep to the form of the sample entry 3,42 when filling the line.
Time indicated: 2,51
